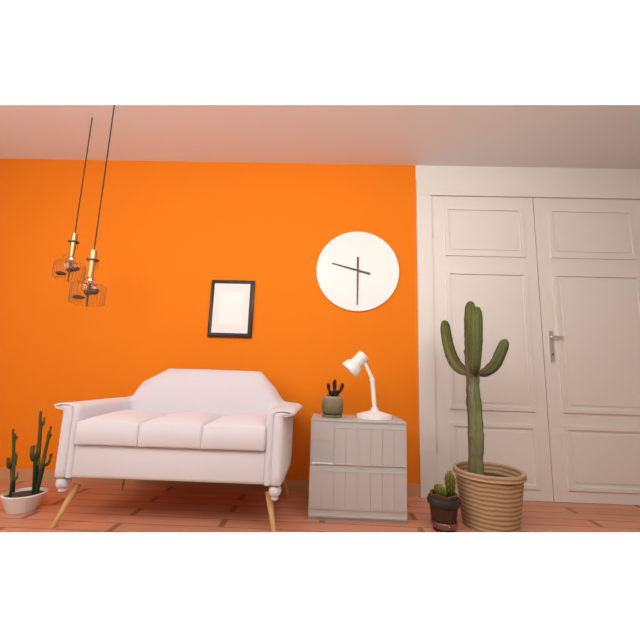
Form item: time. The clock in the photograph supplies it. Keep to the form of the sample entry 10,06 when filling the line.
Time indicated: 9,30
